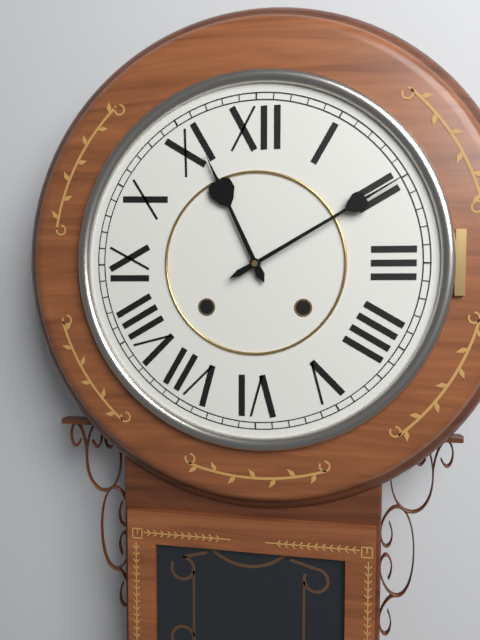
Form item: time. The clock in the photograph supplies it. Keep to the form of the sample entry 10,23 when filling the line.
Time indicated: 11,10
